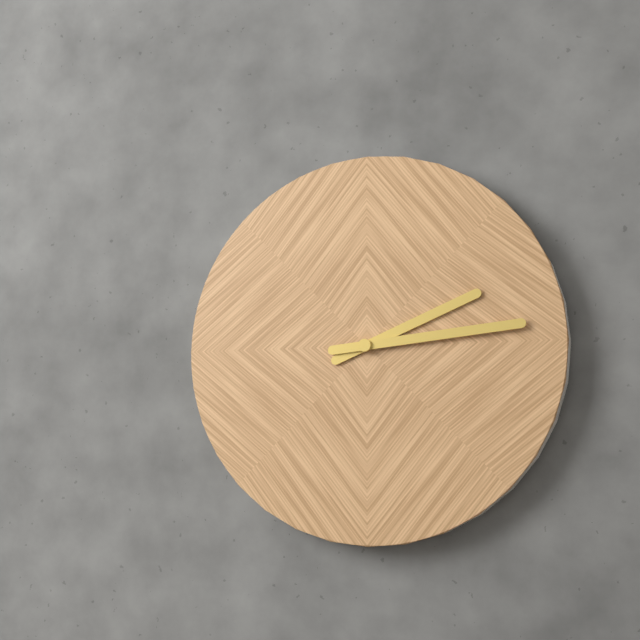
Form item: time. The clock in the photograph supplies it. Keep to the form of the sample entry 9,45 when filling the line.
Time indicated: 2,14
